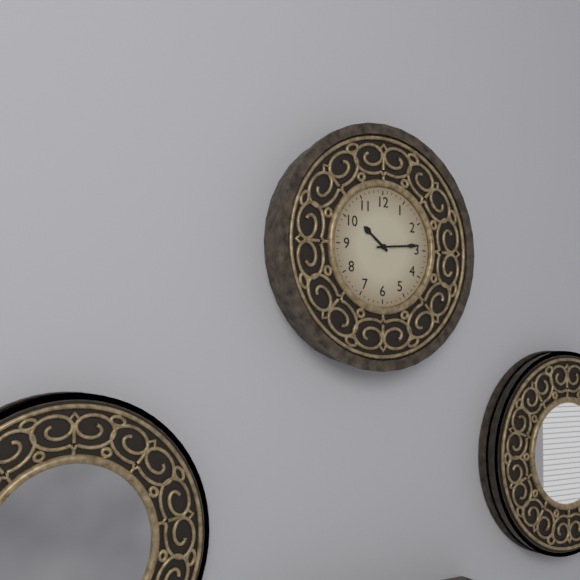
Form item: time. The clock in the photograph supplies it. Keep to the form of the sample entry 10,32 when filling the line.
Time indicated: 10,14
